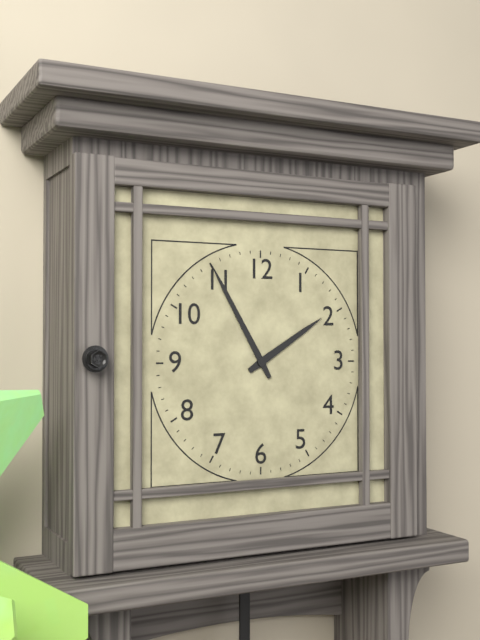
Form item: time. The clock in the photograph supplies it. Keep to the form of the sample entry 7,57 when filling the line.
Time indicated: 1,55
